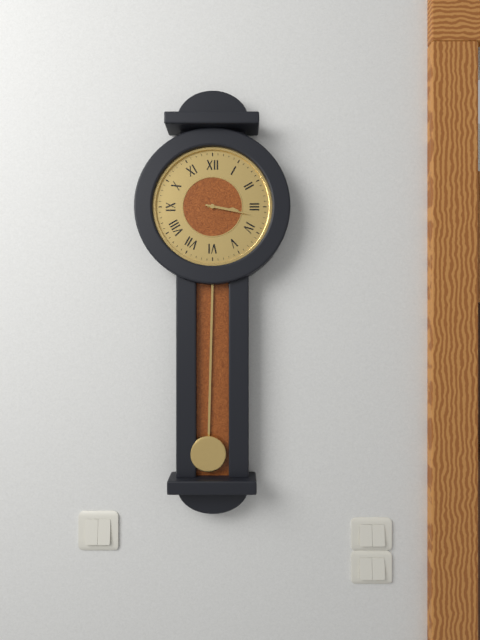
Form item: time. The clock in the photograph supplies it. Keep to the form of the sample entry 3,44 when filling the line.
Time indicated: 3,17
